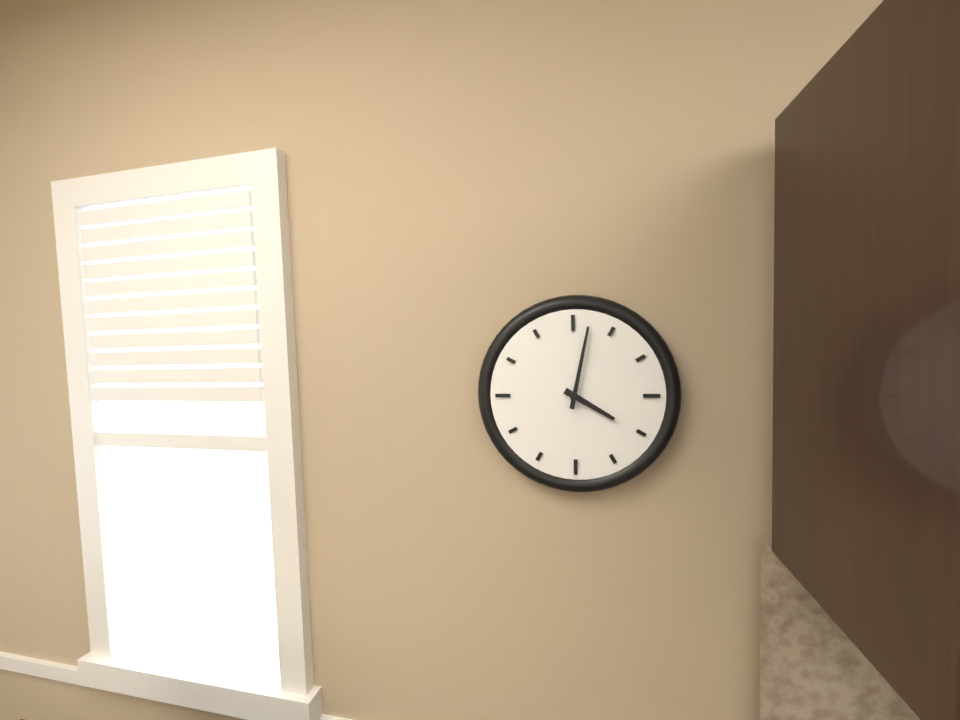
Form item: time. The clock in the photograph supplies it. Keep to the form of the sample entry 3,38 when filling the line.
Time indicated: 4,02
